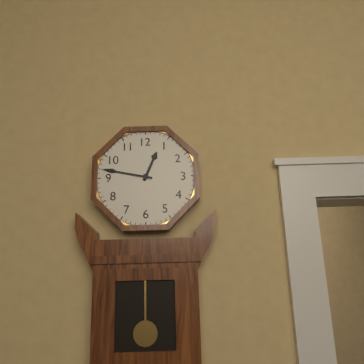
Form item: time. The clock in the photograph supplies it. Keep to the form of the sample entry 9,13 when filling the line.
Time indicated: 12,47
